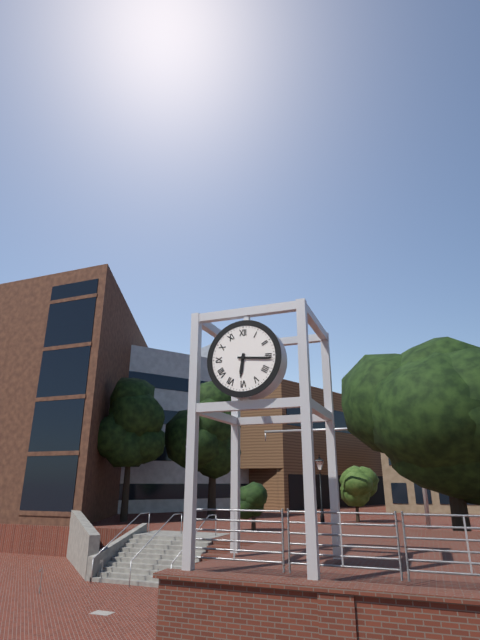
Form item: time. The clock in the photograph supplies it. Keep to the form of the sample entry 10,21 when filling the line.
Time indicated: 6,16
